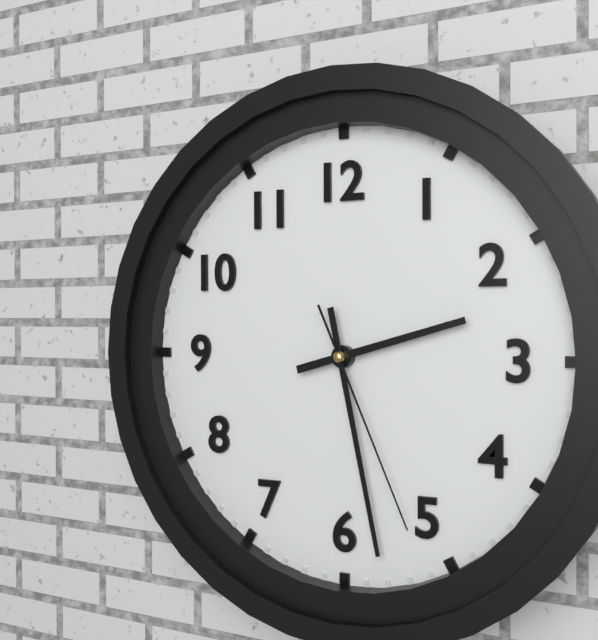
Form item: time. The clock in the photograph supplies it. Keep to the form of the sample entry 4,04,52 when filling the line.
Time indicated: 2,28,26
